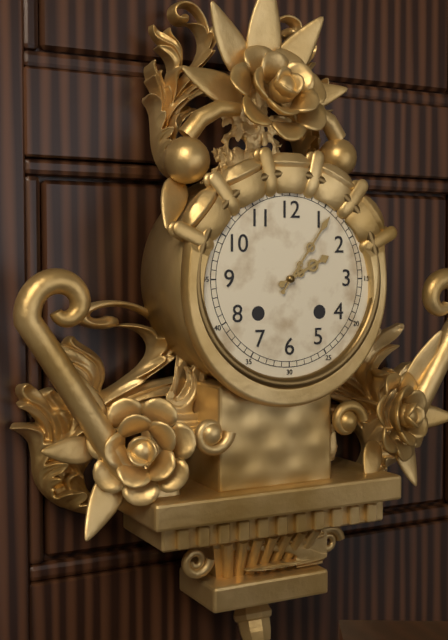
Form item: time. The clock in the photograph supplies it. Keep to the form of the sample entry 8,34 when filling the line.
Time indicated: 2,06
